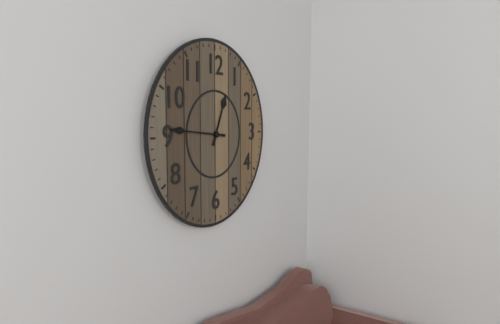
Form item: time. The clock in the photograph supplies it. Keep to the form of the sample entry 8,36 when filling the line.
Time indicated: 12,46
